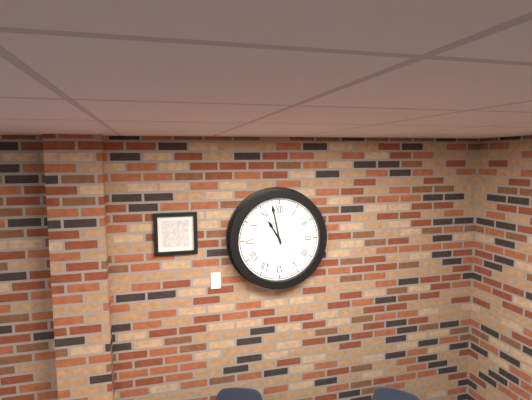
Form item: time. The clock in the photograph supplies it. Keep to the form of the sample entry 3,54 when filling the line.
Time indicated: 10,58
